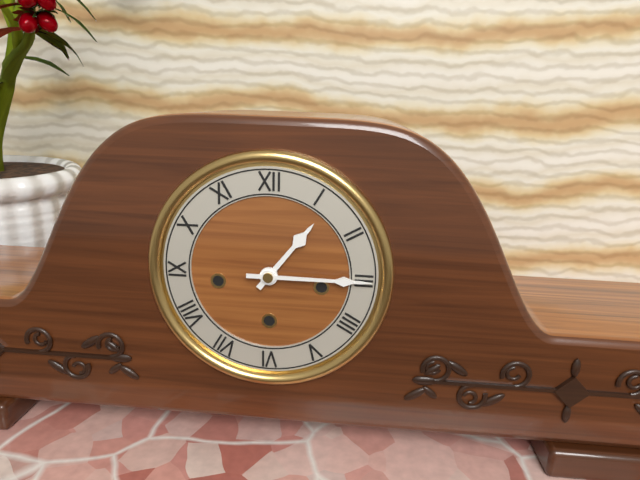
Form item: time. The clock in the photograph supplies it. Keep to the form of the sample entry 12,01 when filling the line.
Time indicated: 1,15
